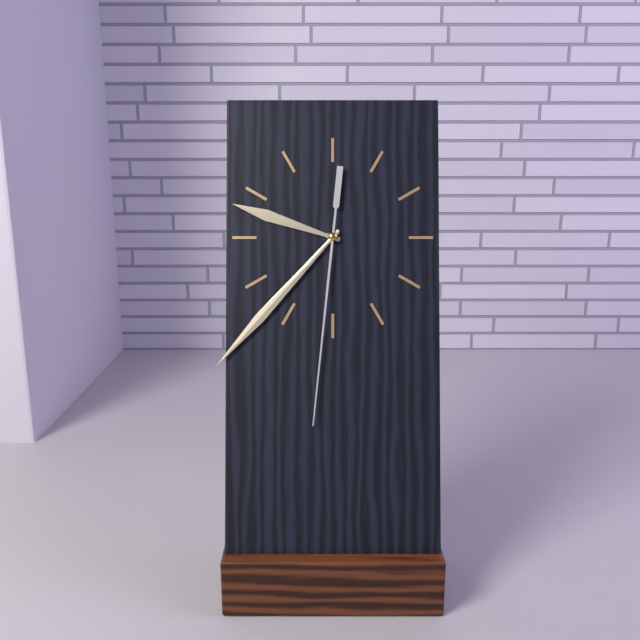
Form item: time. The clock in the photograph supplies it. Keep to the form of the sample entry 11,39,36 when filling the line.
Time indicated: 9,37,31
